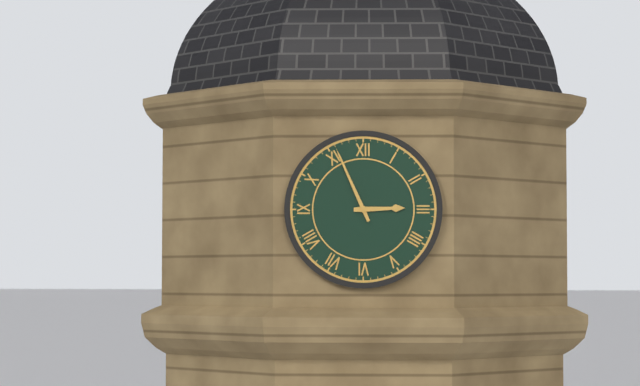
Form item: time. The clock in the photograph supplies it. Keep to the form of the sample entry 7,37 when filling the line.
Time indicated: 2,56
